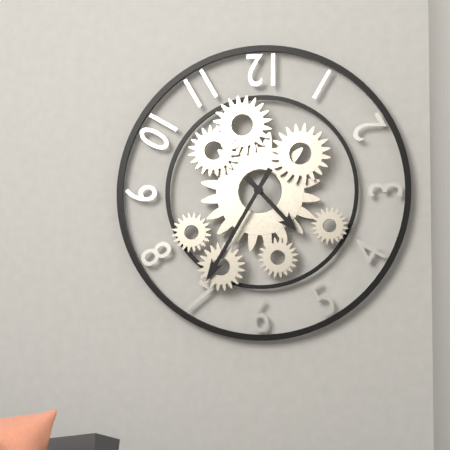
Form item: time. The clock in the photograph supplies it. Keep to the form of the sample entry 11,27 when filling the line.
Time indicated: 4,35
